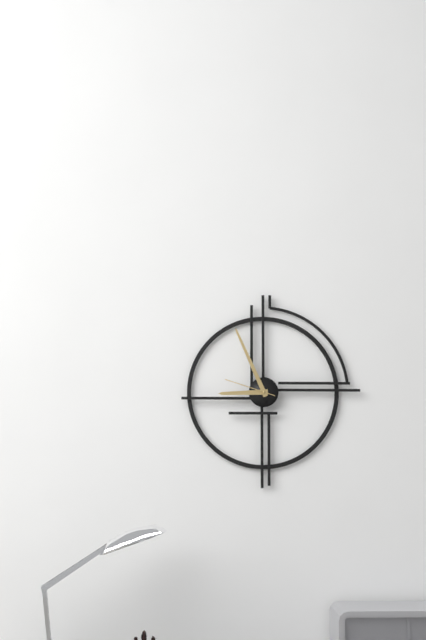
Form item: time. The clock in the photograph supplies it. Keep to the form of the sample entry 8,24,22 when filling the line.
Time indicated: 8,56,48
